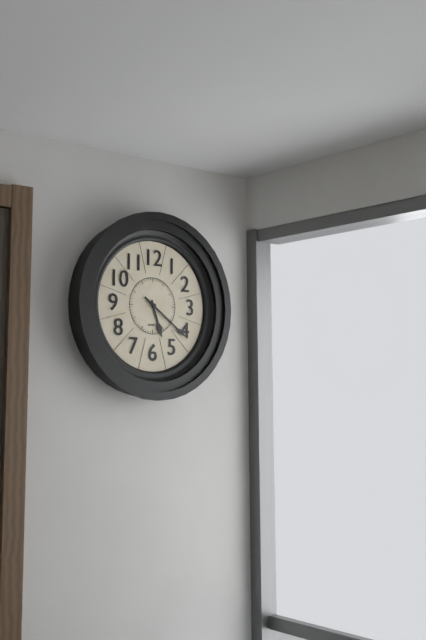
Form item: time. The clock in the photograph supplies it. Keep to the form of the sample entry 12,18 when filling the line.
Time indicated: 5,21
